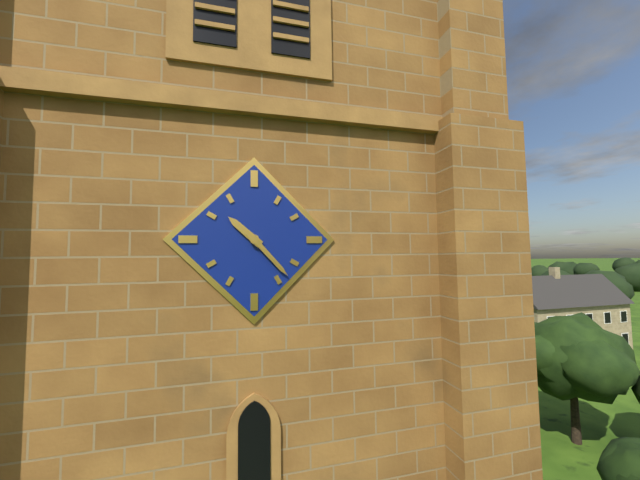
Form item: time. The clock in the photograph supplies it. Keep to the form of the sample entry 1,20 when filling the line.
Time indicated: 10,23
